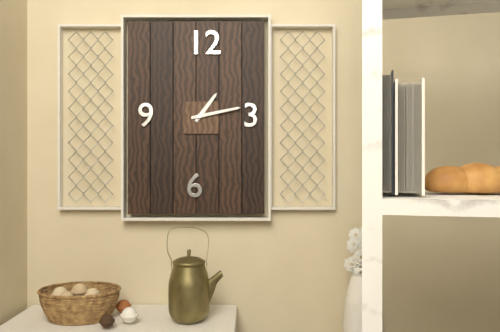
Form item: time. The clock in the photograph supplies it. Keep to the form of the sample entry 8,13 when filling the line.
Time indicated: 1,13
